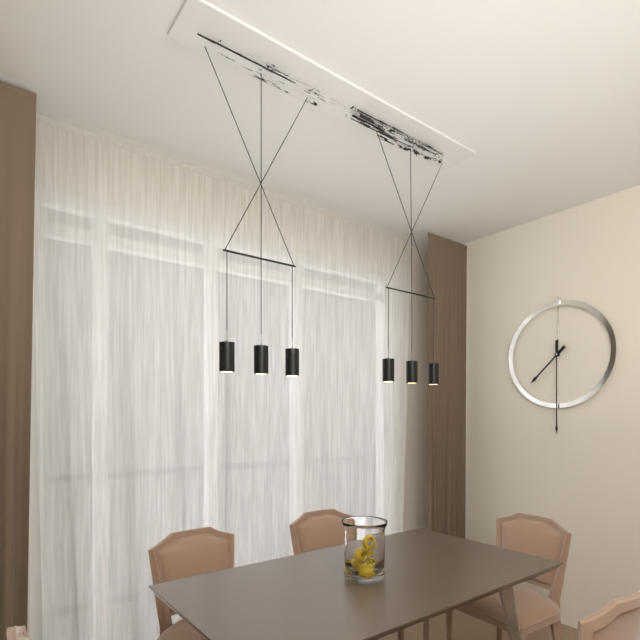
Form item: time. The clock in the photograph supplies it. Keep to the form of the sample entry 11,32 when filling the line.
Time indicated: 7,30
